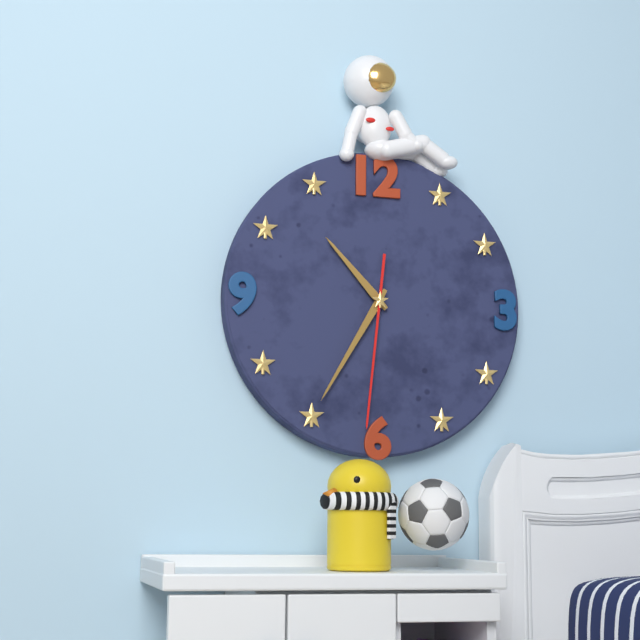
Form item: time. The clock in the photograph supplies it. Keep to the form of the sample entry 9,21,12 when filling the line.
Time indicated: 10,35,31
